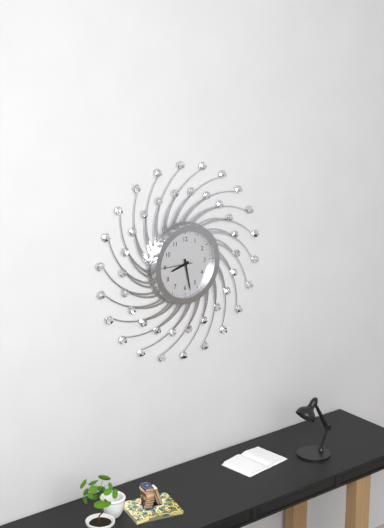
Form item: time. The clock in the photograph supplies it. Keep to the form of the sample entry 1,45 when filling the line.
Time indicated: 8,28
